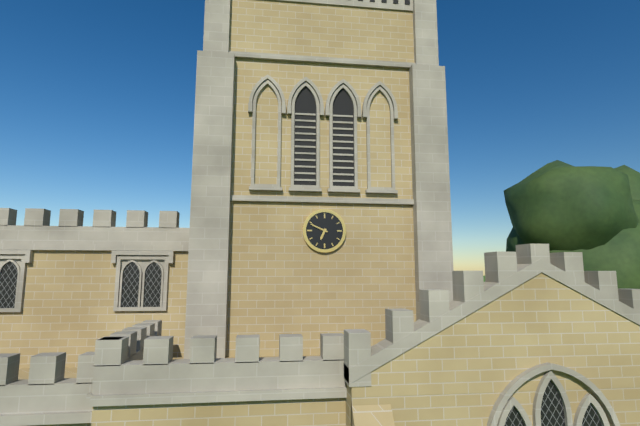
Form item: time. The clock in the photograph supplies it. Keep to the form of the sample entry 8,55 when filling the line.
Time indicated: 6,49
